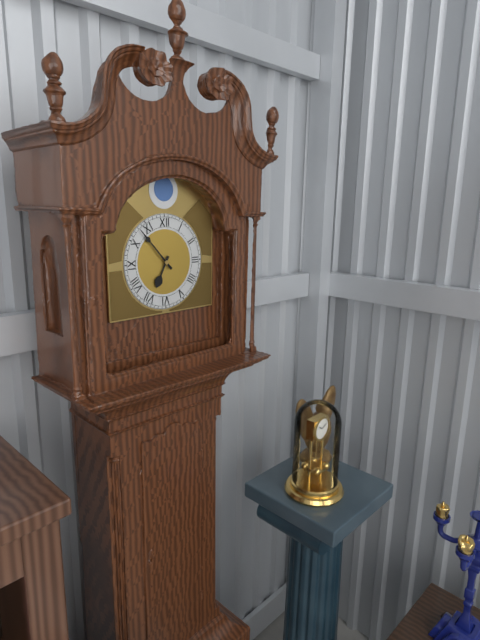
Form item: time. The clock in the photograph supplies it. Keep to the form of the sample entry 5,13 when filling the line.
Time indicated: 6,53
